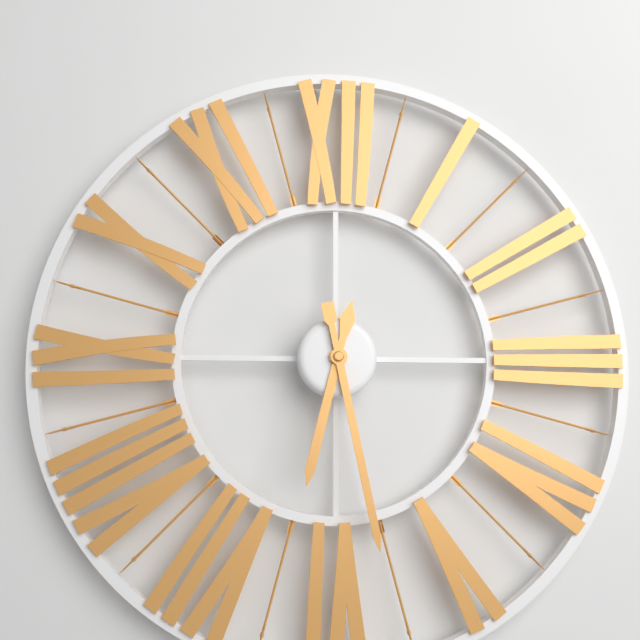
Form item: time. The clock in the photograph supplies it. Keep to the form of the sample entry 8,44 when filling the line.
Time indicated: 6,28
